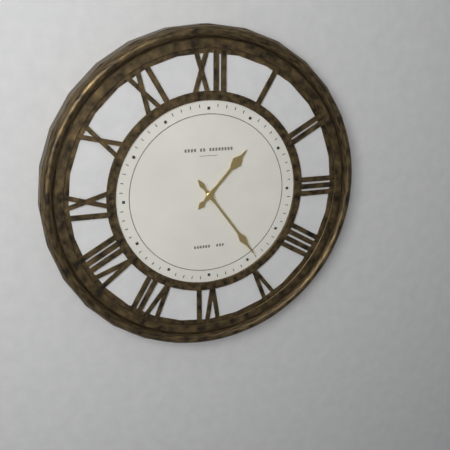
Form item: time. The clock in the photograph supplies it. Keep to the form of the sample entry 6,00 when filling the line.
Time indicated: 1,24
